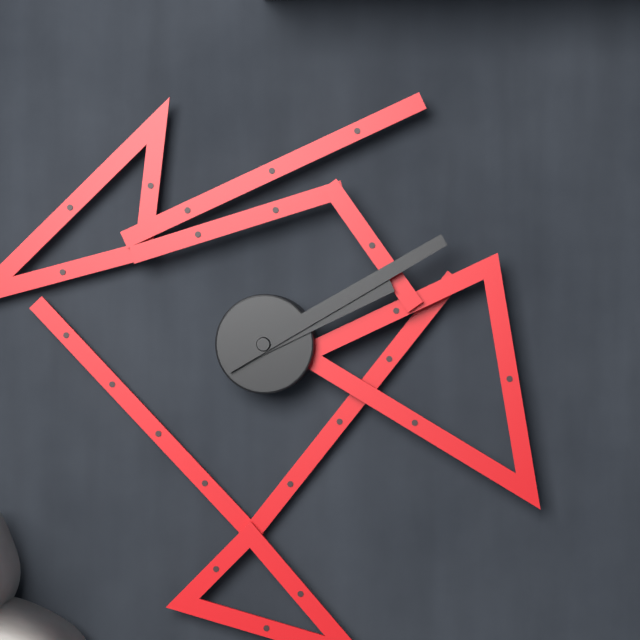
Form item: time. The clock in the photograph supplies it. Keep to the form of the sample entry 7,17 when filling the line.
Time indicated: 2,10
